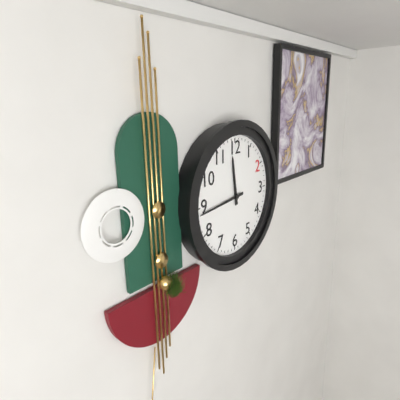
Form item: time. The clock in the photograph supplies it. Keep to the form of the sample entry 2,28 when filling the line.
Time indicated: 11,44
